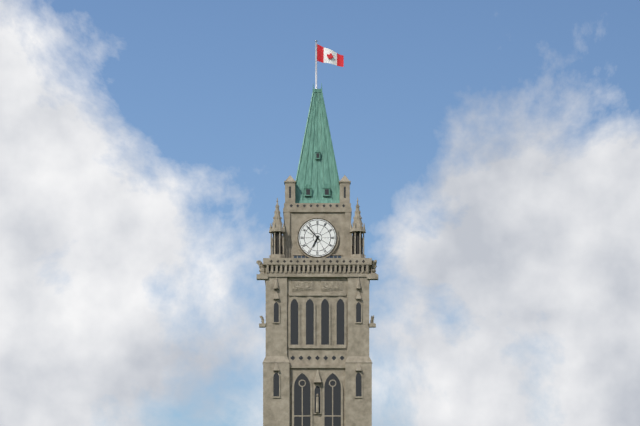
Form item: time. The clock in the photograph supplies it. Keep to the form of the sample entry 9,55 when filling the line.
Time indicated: 6,53
